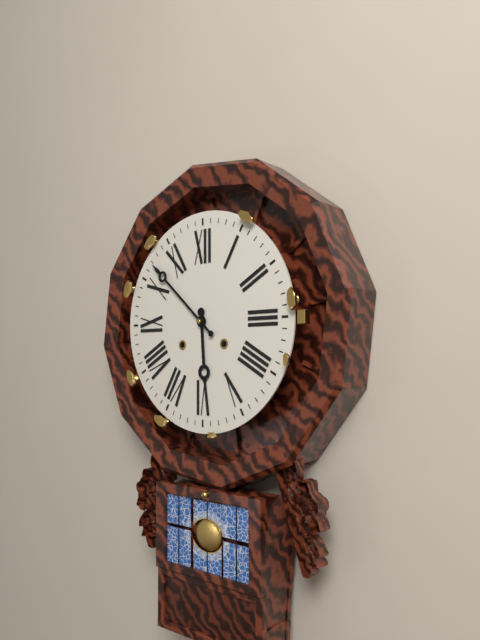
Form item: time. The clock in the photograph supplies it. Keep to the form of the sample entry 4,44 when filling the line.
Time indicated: 5,52
